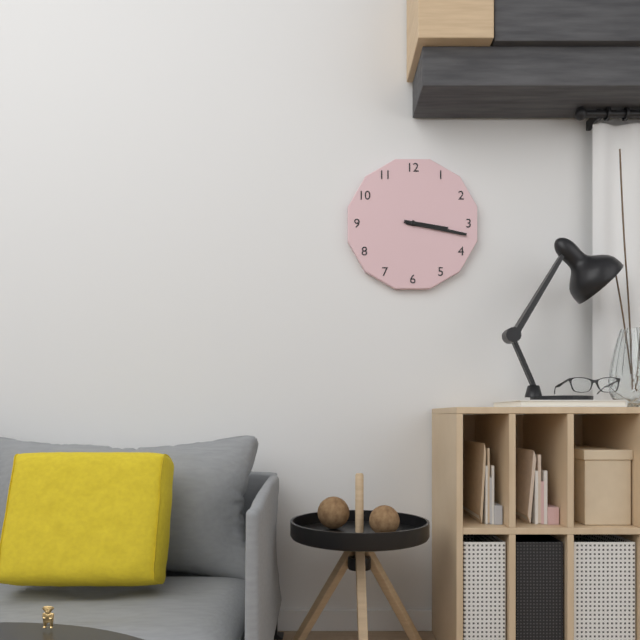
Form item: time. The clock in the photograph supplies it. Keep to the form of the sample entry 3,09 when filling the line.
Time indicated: 3,17
